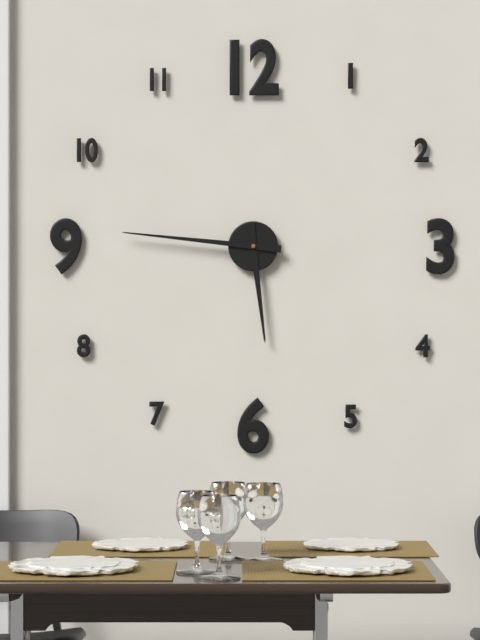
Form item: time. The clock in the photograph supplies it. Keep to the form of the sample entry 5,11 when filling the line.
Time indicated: 5,46
